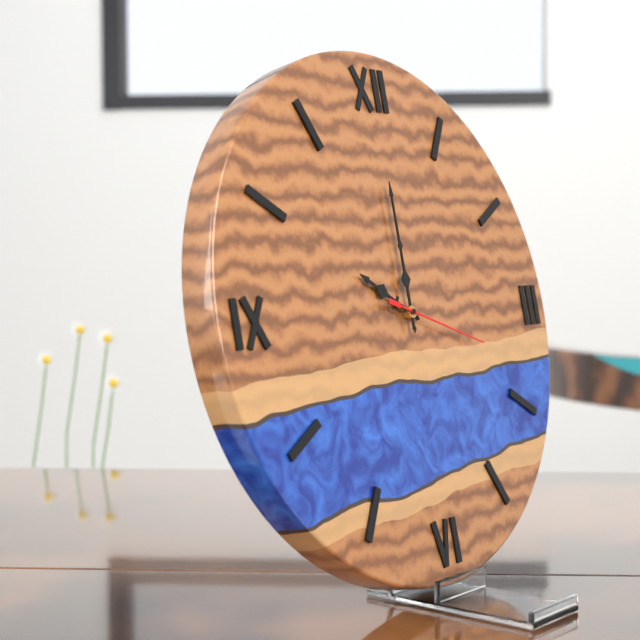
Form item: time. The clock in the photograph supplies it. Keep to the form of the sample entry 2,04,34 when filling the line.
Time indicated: 10,00,18
